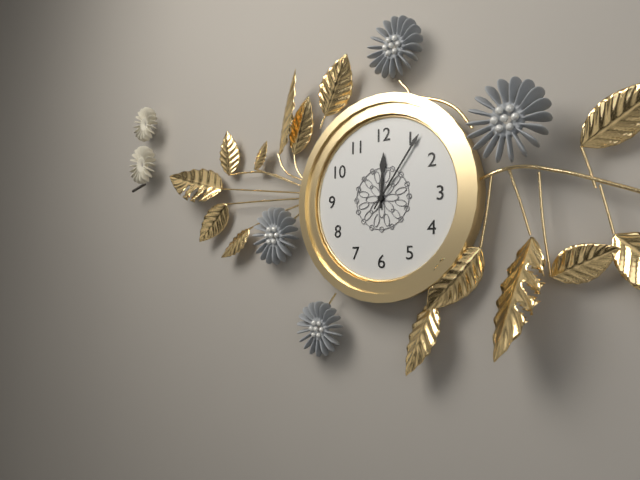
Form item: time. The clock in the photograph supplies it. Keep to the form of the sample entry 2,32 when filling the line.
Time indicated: 12,06
